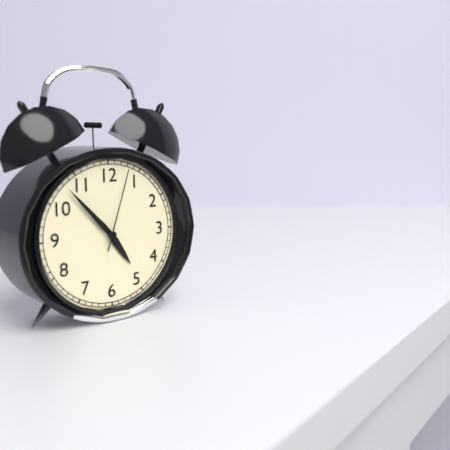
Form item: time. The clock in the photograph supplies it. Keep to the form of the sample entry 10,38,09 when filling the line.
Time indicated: 4,53,03
